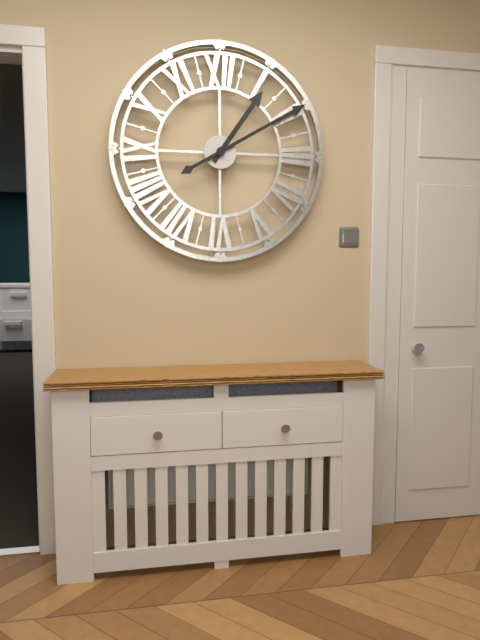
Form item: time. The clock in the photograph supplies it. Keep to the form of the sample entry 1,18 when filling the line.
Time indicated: 1,10
